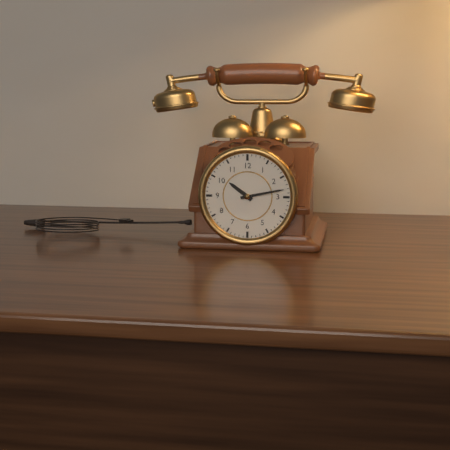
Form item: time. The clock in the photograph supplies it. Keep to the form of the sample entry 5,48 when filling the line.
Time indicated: 10,13
